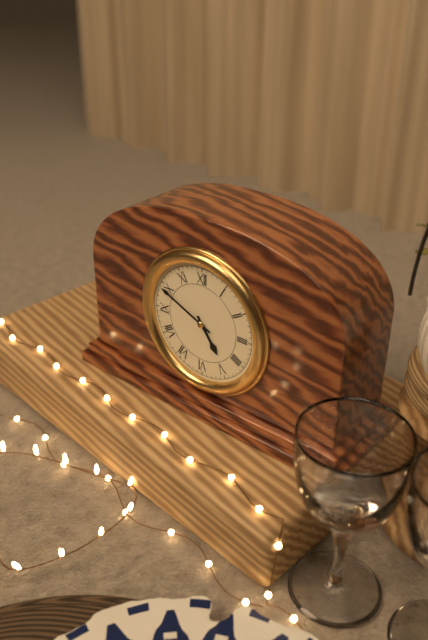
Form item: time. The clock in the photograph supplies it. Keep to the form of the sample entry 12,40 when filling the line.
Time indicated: 4,49
